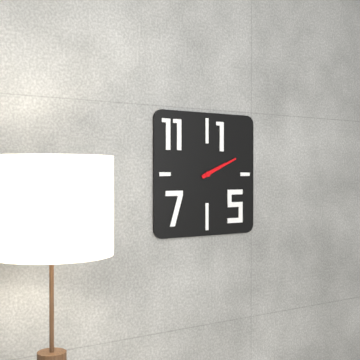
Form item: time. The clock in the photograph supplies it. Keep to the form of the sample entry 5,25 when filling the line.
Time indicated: 2,11
